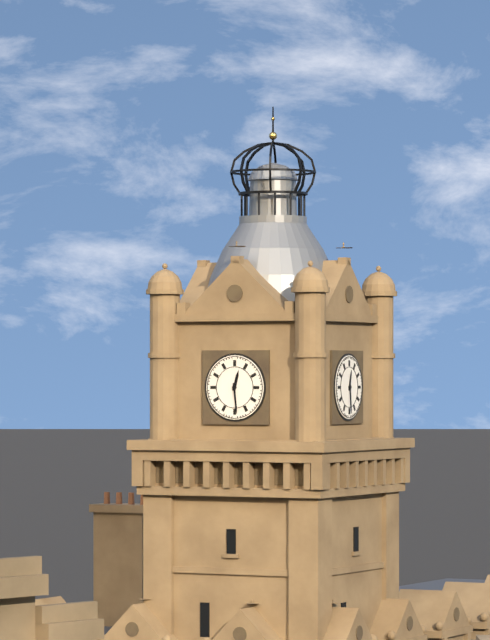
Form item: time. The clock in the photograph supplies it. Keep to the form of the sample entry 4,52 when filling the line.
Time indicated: 12,29
